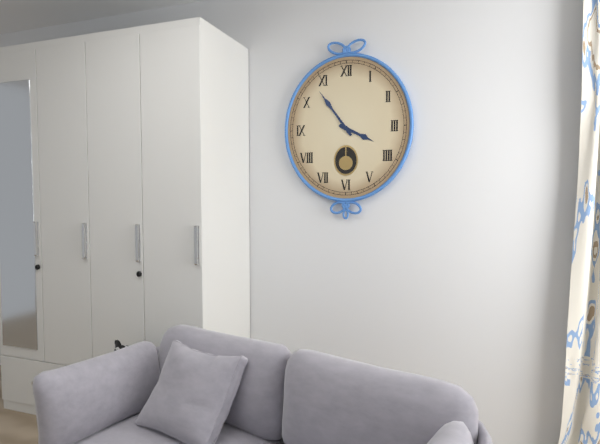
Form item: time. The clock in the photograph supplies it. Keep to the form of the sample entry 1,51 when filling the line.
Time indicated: 3,54
